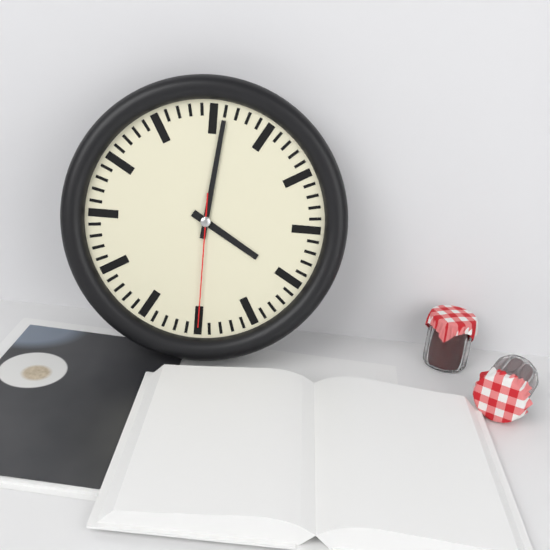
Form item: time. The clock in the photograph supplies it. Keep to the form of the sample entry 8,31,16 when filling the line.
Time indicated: 4,01,30
